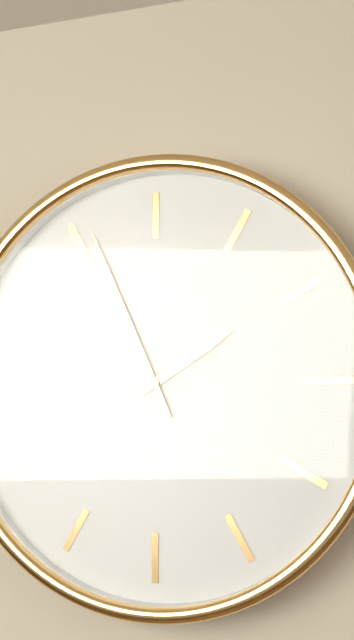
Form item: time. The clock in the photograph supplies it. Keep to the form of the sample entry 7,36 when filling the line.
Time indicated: 1,56
